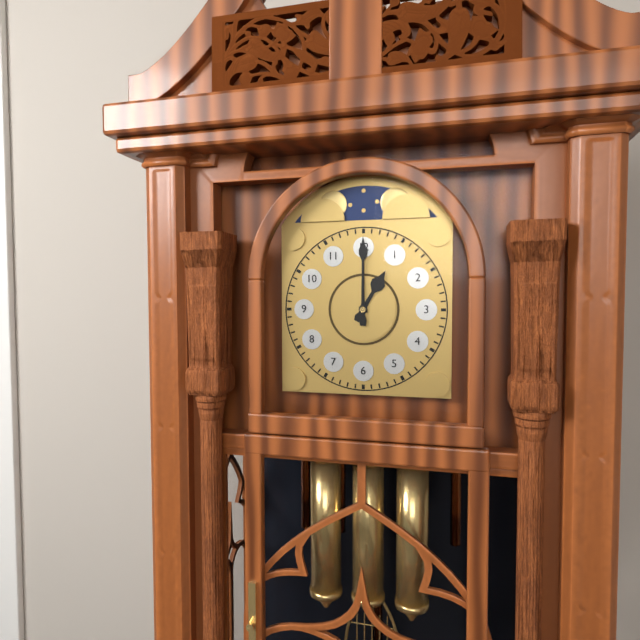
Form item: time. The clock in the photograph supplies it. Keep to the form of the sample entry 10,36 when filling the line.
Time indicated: 1,00
